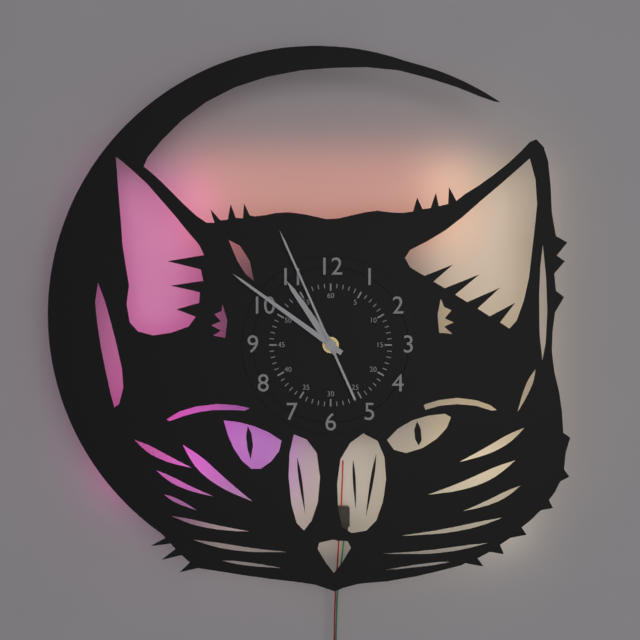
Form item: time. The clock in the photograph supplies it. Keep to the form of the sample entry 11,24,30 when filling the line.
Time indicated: 10,51,56
